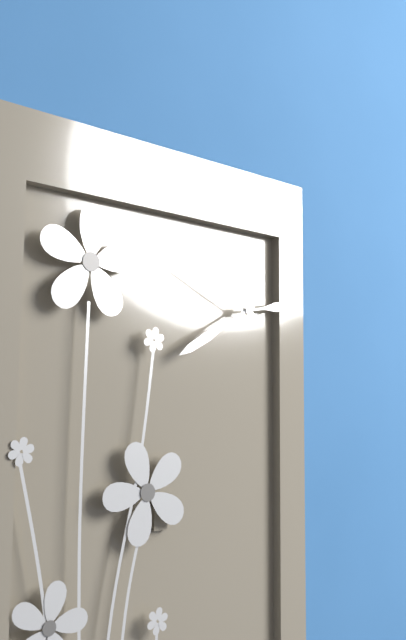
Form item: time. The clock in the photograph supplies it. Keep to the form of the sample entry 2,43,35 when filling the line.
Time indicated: 2,40,49
